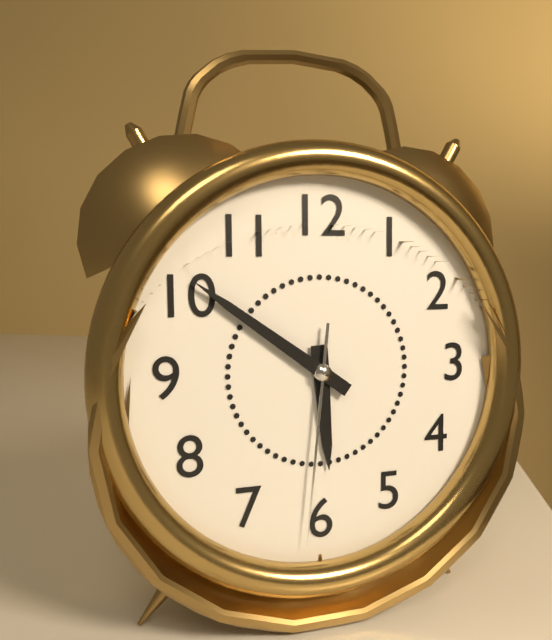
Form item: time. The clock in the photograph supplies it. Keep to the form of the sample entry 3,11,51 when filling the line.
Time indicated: 5,51,31
